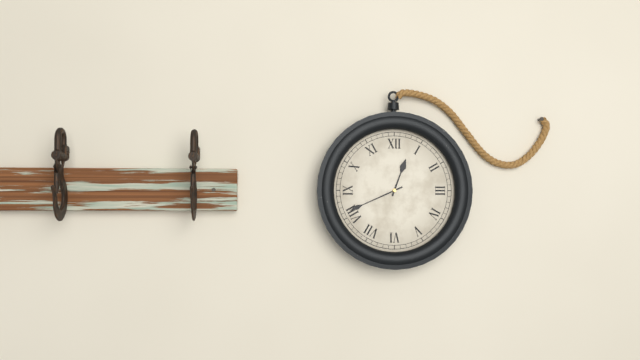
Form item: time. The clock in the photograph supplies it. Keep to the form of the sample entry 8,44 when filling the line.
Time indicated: 12,41
